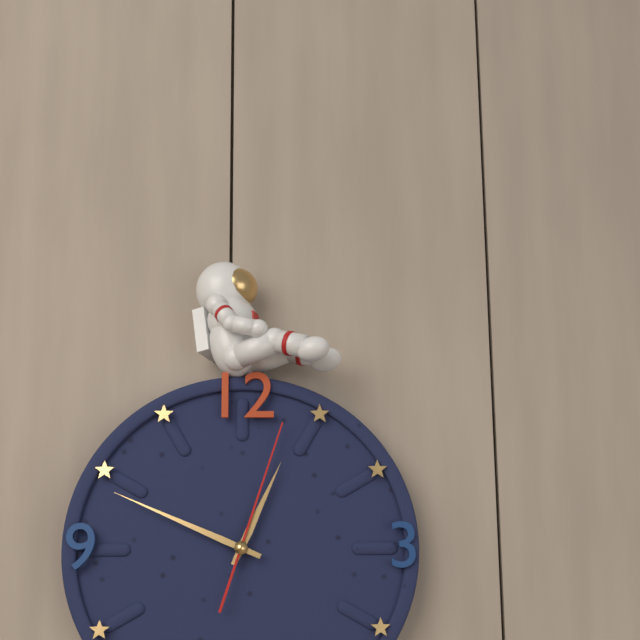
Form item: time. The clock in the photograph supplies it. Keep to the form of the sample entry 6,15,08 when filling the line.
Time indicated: 12,49,03
